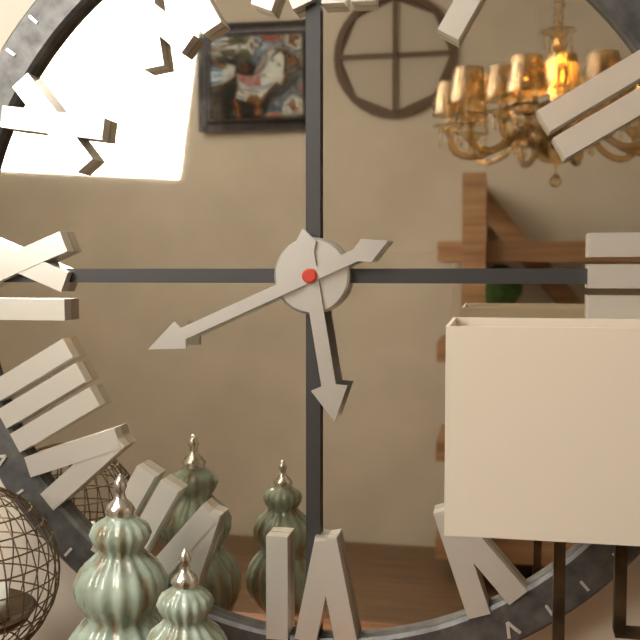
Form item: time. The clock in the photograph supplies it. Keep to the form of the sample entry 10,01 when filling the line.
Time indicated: 5,41
